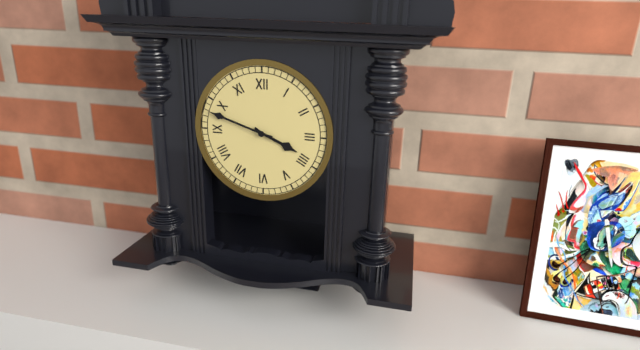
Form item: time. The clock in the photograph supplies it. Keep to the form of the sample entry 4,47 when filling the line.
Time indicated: 3,48
